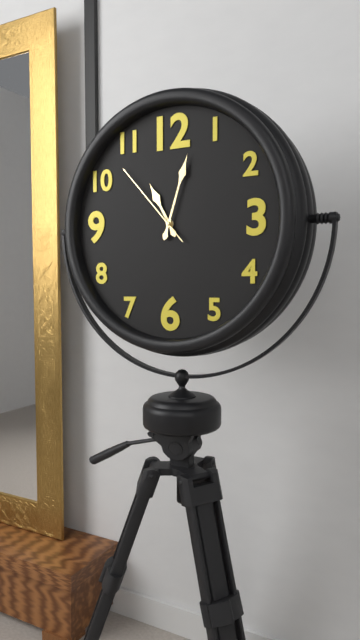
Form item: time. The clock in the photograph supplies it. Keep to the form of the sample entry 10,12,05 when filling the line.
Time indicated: 11,03,53
